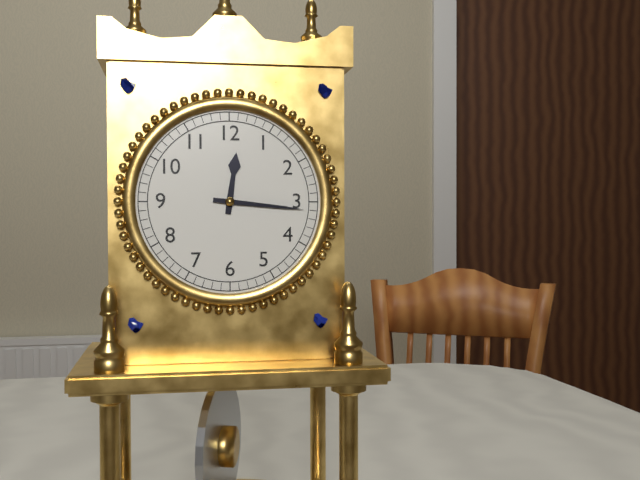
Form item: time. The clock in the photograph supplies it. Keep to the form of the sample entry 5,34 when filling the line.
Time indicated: 12,16
